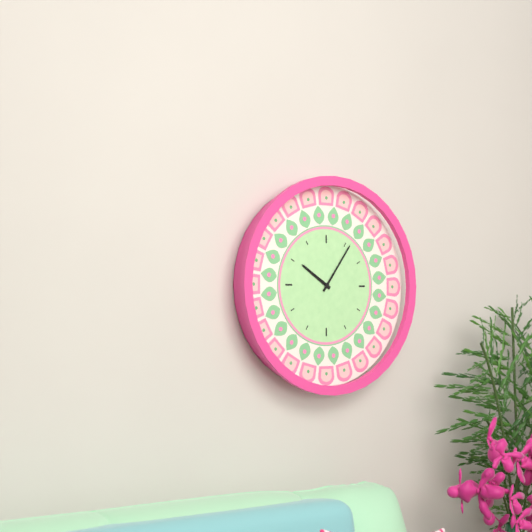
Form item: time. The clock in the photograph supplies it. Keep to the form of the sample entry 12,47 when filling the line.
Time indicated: 10,06
